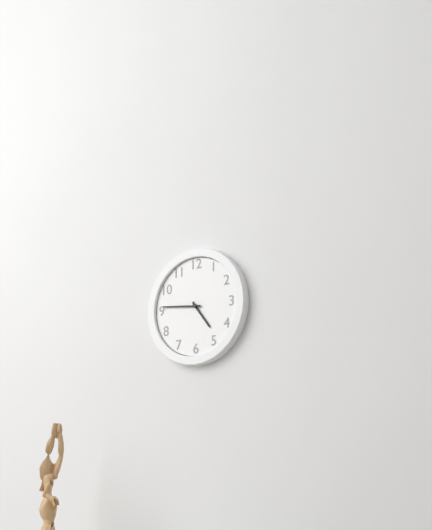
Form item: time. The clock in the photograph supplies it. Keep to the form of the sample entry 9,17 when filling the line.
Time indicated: 4,46
